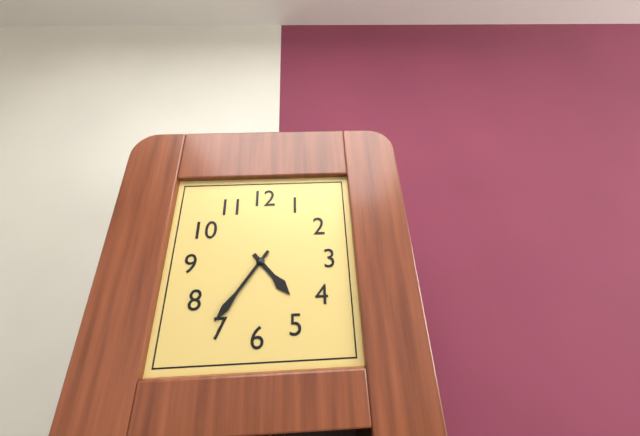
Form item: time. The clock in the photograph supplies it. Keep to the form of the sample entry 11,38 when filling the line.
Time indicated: 4,36
